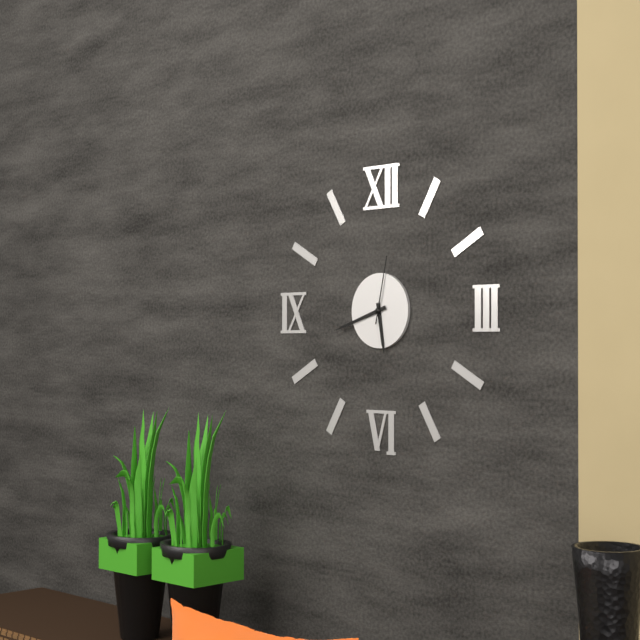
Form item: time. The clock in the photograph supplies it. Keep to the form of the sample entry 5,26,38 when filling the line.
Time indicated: 5,42,02
